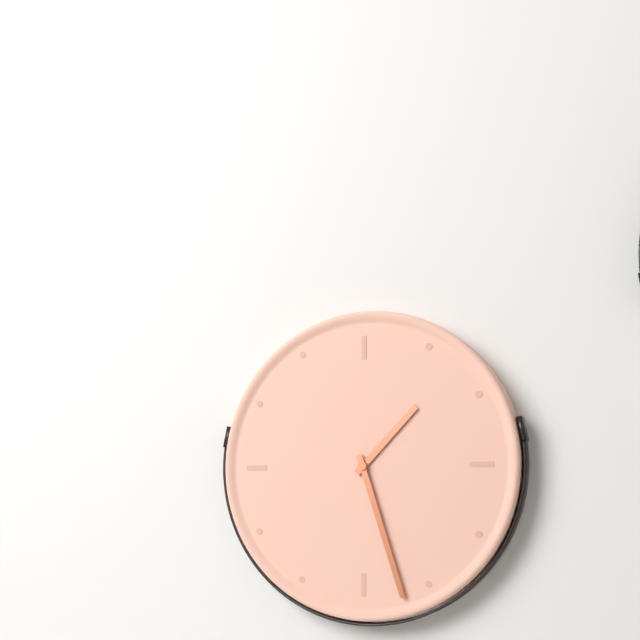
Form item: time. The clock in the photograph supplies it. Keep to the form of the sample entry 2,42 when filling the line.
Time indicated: 1,27
